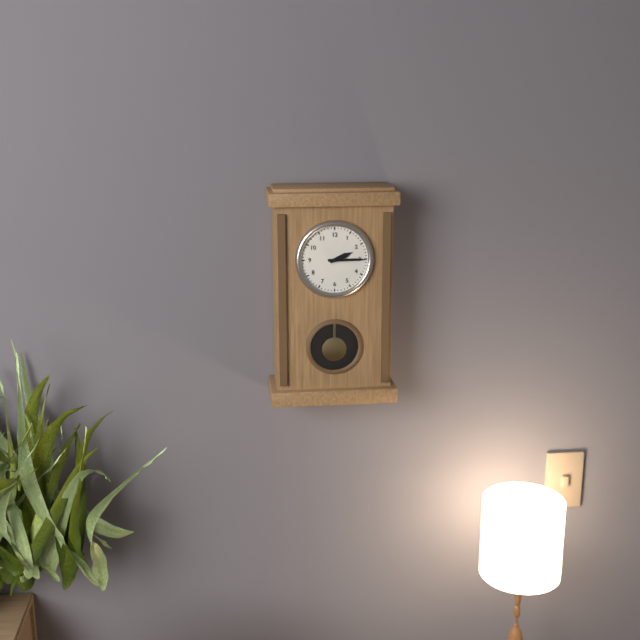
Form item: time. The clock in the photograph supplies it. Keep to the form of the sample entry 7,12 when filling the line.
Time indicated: 2,15
